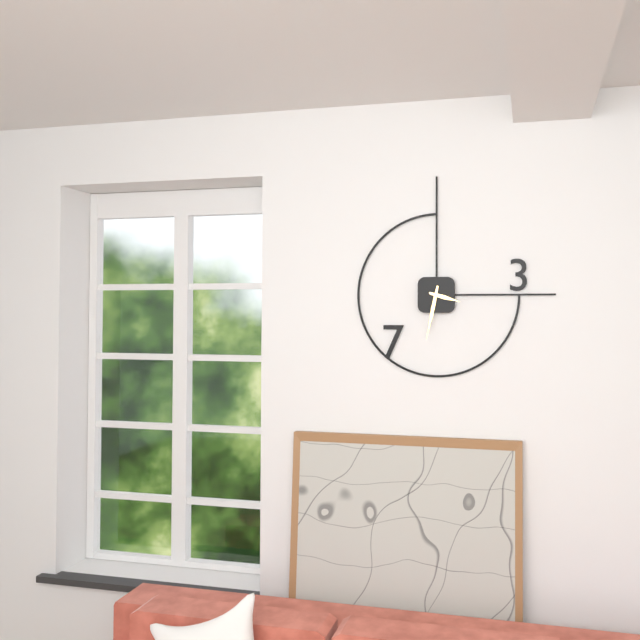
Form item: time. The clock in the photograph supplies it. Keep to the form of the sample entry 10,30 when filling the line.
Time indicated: 3,32
